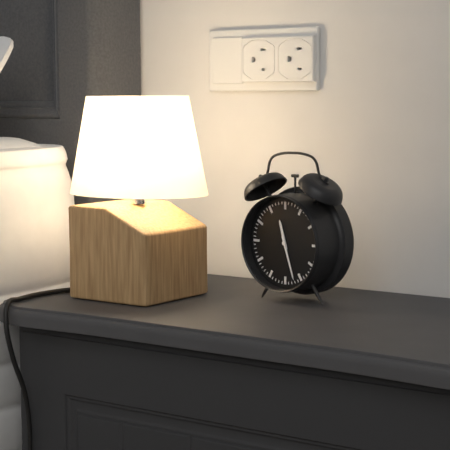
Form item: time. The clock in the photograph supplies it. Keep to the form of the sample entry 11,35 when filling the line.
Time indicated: 11,27
